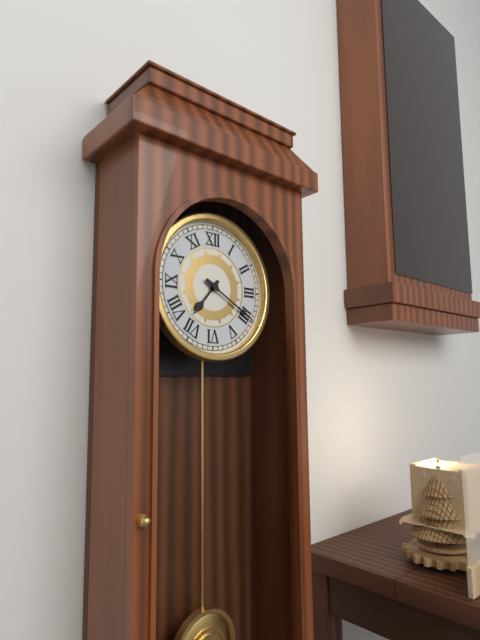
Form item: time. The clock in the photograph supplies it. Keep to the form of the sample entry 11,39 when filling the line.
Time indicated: 7,20
